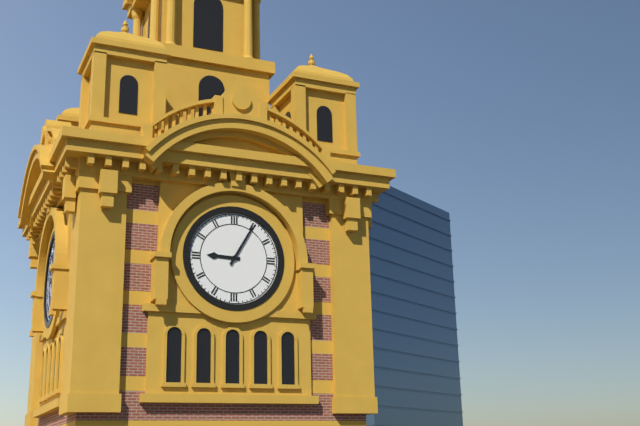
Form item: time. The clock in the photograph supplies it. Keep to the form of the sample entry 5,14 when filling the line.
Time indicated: 9,05
